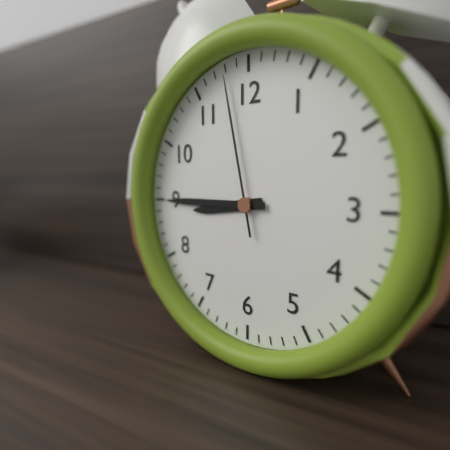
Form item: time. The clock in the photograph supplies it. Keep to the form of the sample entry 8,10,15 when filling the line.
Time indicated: 8,45,58
